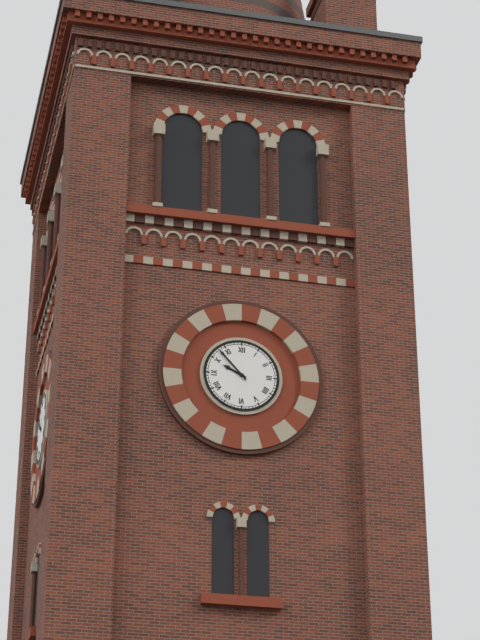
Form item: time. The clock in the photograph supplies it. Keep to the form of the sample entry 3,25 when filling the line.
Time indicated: 9,53
